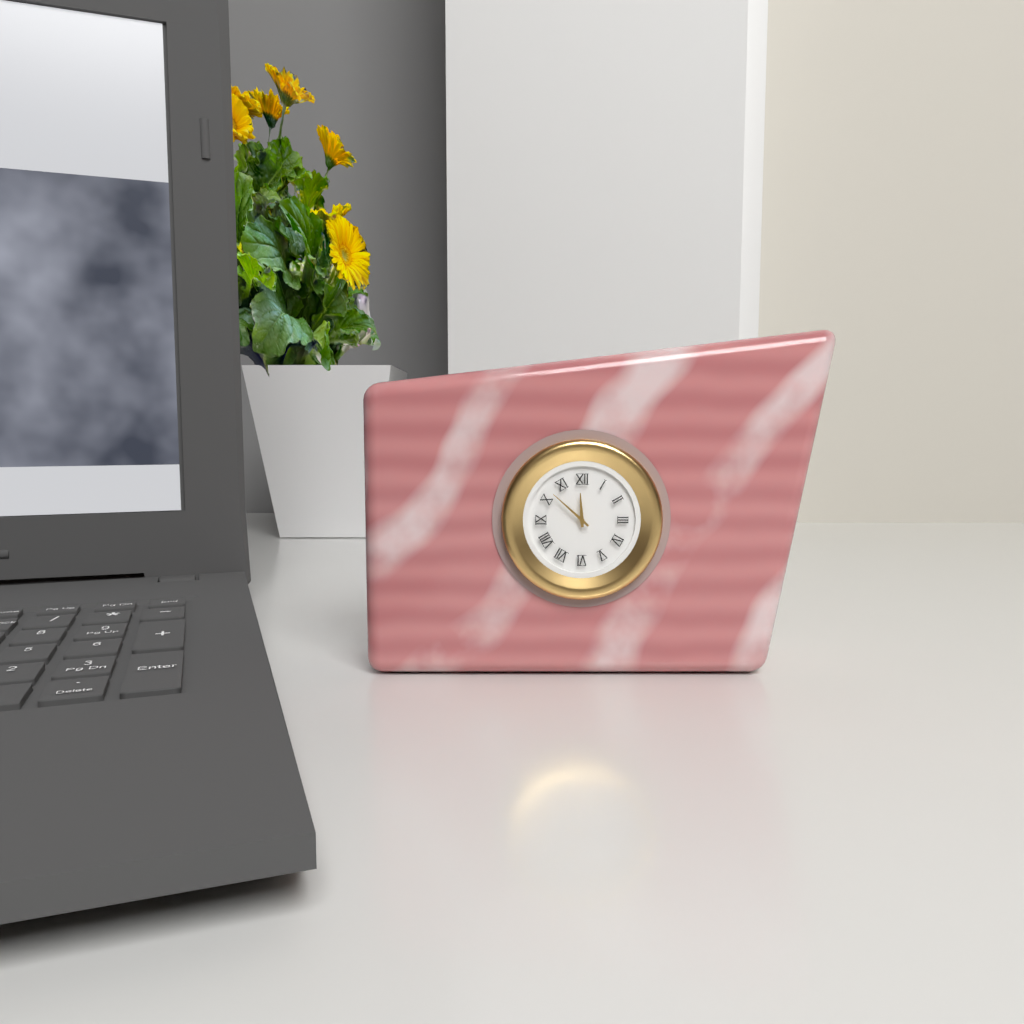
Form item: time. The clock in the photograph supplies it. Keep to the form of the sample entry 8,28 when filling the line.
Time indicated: 11,52
